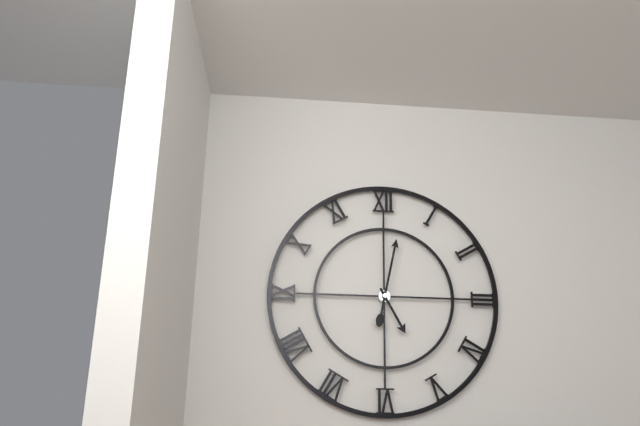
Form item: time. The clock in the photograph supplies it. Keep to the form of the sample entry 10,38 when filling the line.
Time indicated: 5,02
